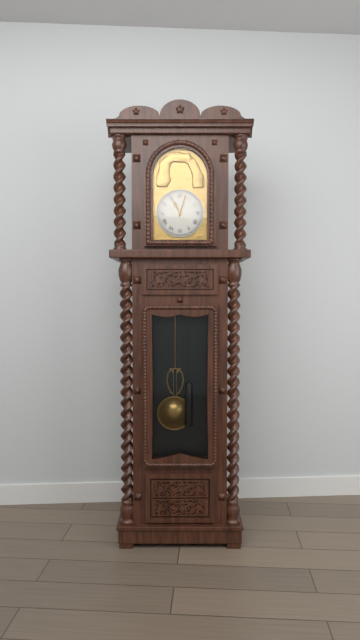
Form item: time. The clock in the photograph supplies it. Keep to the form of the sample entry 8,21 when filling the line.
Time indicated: 11,03
